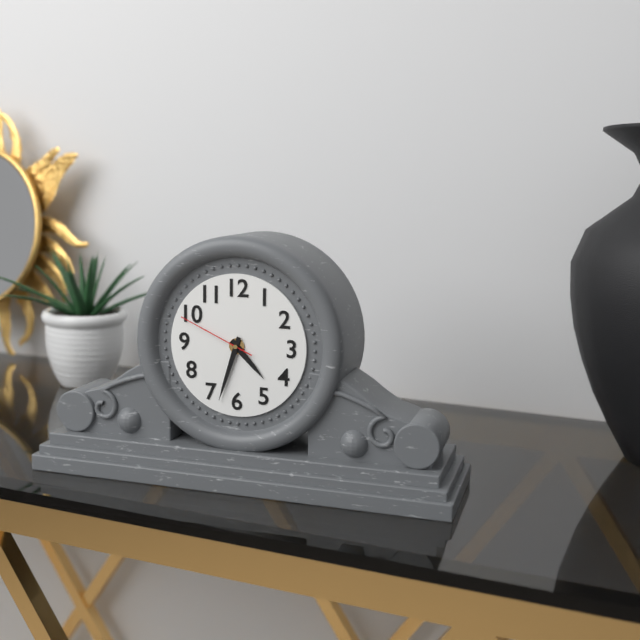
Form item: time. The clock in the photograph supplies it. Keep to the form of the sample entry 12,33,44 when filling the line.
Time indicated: 4,33,49
